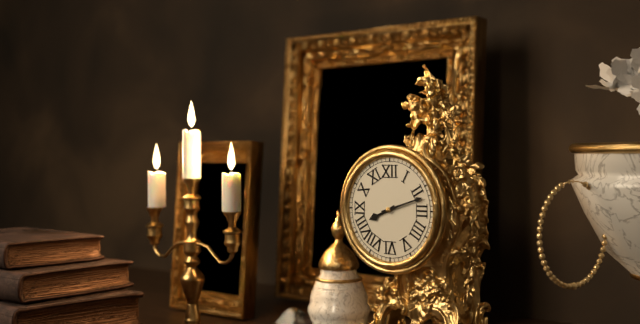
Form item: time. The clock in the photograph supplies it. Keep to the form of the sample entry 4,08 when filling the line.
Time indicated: 8,12
